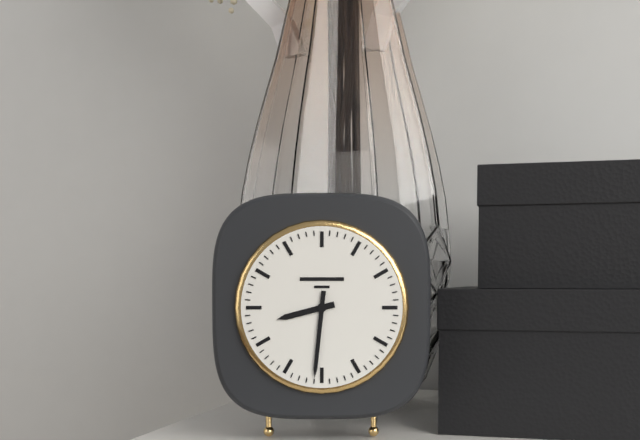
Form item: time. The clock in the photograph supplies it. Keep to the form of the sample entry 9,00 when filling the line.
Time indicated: 8,31
